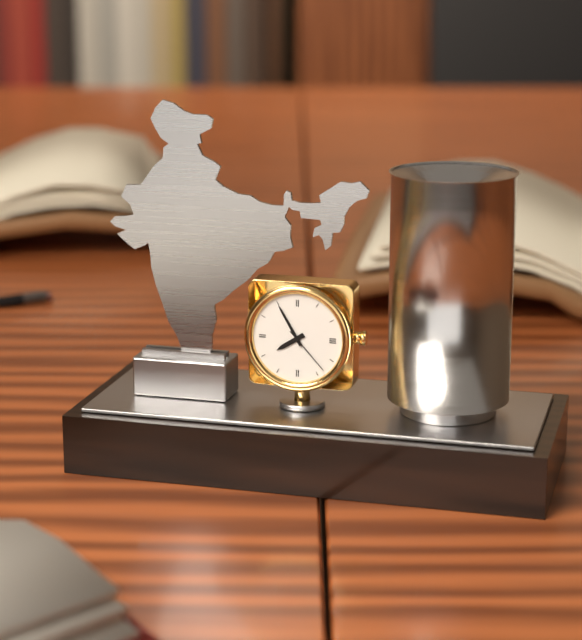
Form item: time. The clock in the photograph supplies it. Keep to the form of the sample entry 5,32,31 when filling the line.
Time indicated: 7,55,23
